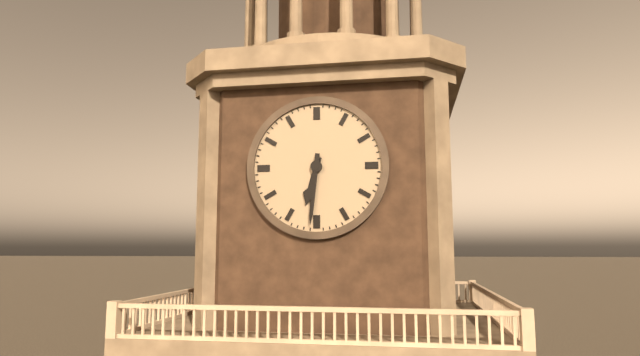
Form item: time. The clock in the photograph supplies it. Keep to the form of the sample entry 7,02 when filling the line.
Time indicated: 6,31
